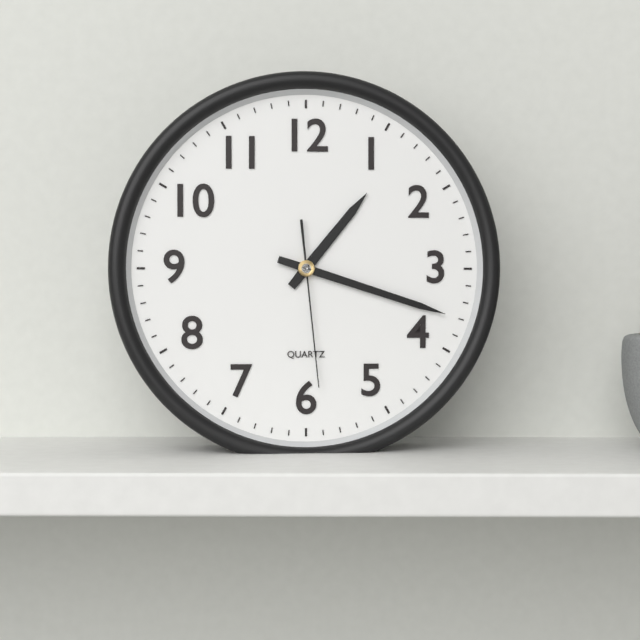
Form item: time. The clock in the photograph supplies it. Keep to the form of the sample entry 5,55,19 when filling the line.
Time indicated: 1,18,29
